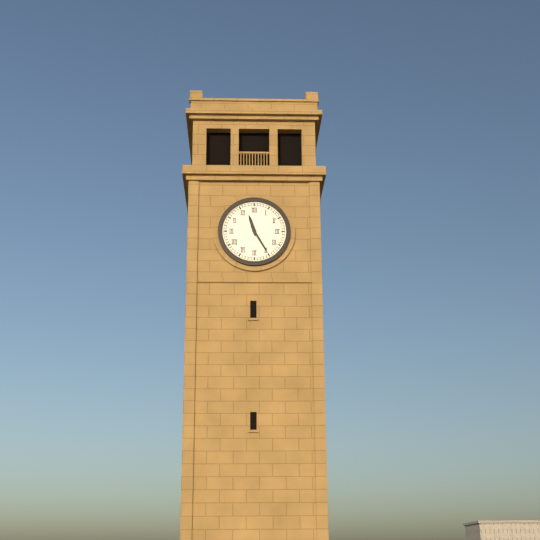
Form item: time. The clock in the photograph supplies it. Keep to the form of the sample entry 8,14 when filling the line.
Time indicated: 11,25
